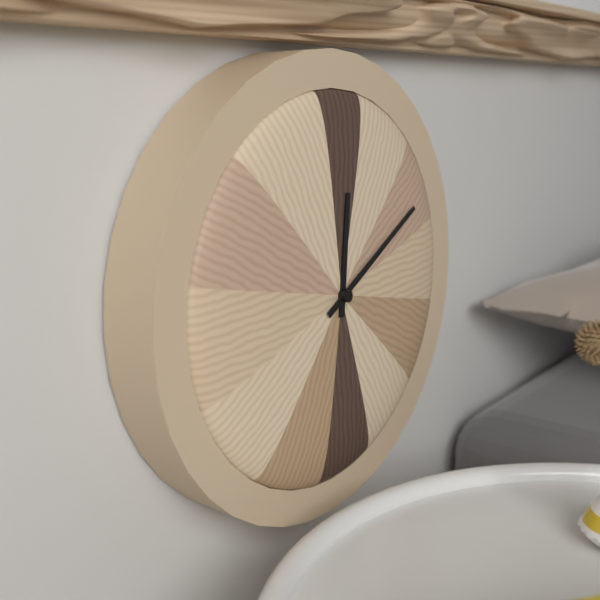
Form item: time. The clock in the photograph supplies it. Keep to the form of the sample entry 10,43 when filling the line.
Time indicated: 12,10
